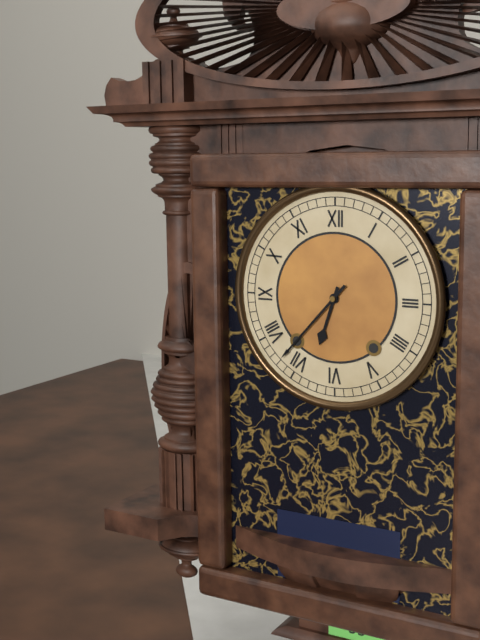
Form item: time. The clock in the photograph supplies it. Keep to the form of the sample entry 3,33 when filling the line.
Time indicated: 6,37
